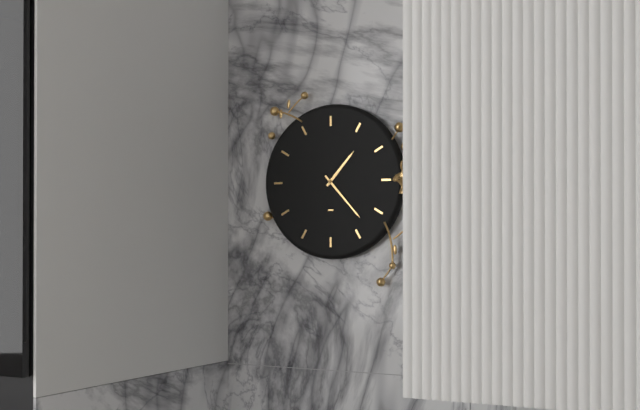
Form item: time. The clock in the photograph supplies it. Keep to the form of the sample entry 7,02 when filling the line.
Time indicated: 1,23
